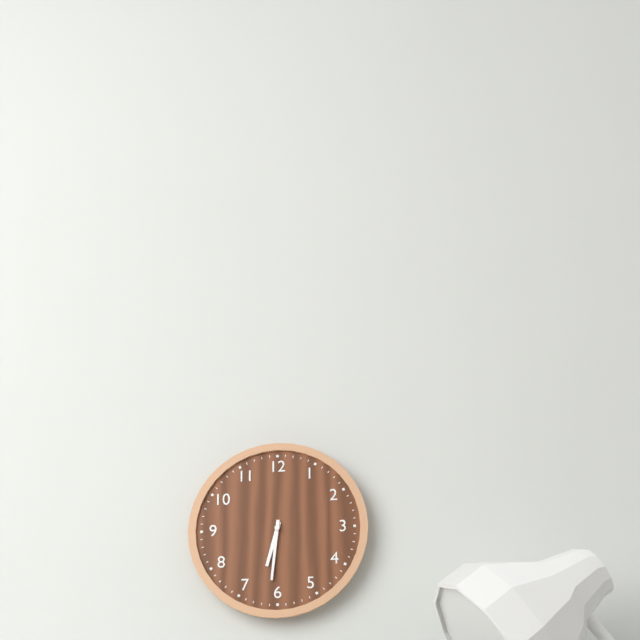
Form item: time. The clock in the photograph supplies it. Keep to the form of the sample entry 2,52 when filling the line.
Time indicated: 6,31
